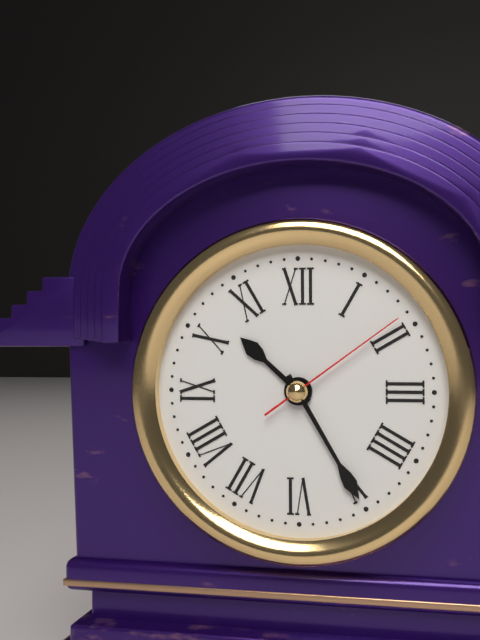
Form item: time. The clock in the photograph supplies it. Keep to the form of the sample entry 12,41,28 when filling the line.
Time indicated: 10,25,09
